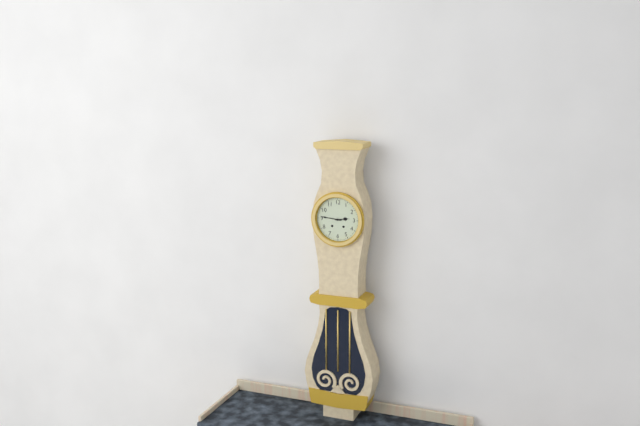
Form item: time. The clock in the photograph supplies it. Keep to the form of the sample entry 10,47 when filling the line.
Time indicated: 2,46
